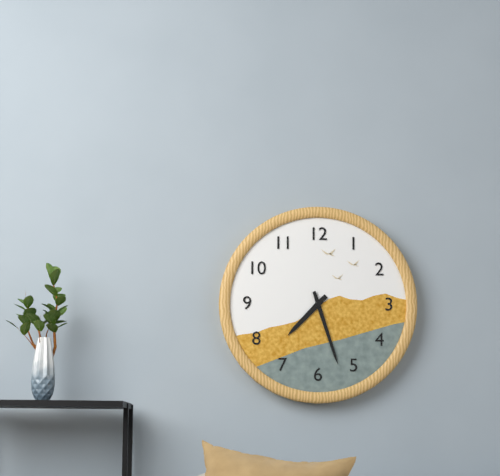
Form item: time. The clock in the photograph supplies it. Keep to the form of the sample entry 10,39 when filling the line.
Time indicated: 7,27
